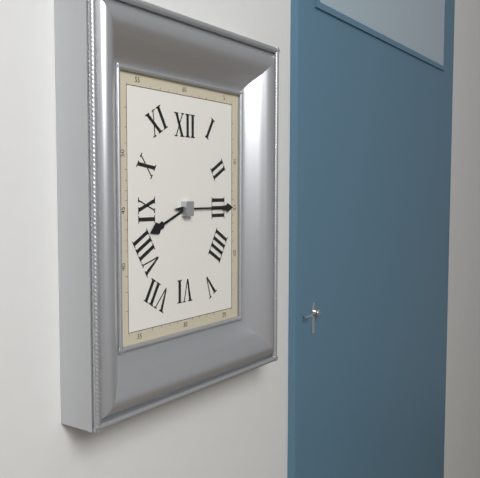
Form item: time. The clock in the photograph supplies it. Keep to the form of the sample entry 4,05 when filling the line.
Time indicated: 8,15
